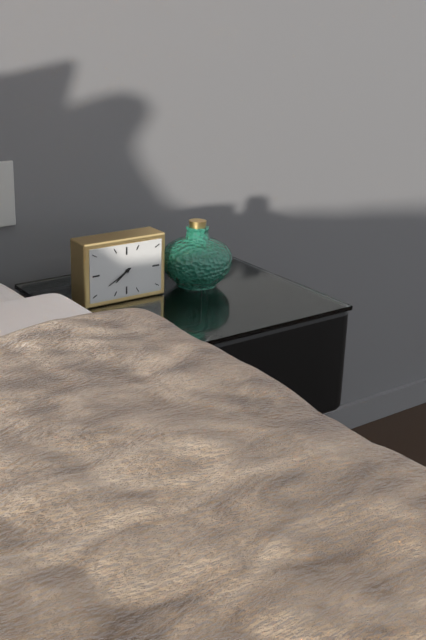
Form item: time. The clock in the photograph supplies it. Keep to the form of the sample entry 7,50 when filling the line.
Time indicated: 7,40
